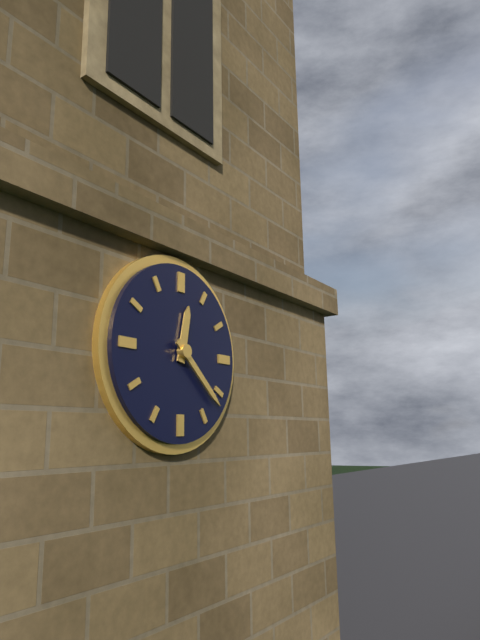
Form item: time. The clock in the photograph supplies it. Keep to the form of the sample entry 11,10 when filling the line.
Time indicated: 12,22
